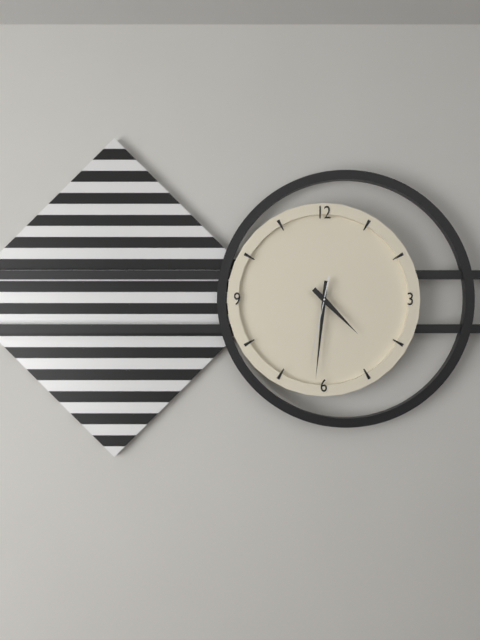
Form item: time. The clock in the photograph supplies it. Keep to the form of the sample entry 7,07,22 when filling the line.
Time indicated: 4,31,32
